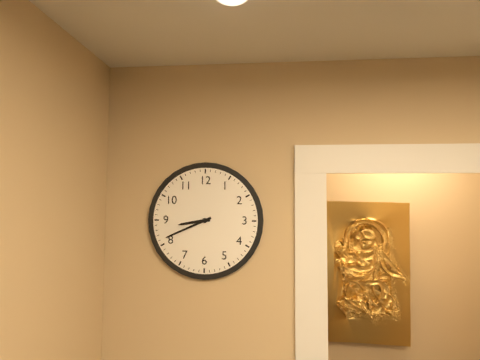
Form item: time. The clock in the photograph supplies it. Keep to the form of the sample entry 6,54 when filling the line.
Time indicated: 8,41
